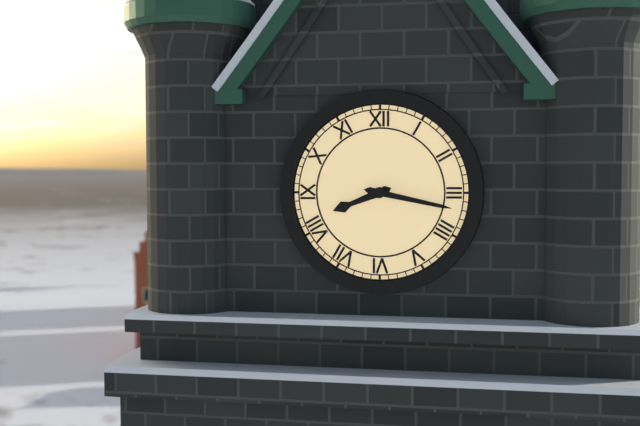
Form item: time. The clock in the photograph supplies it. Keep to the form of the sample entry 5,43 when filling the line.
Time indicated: 8,17
